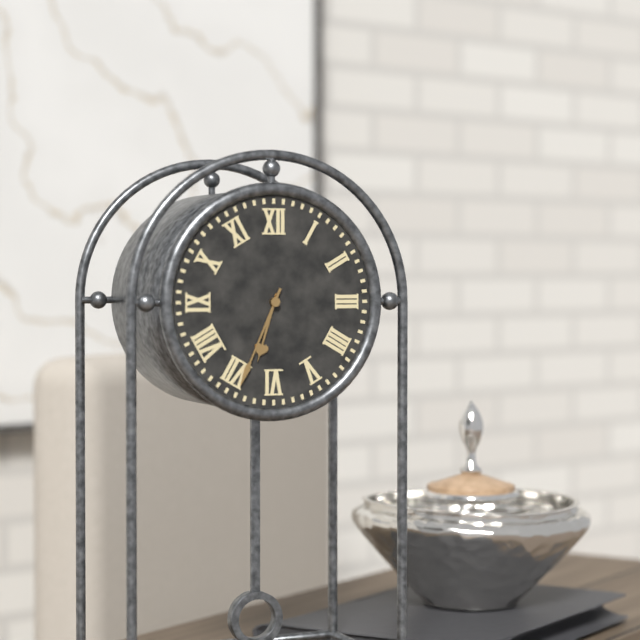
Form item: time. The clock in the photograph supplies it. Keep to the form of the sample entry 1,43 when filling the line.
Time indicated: 6,34
